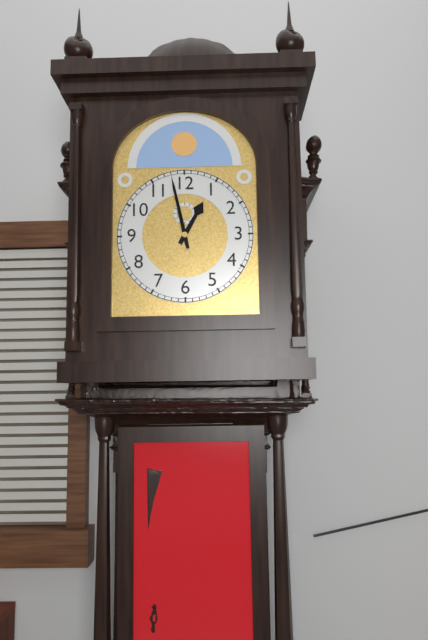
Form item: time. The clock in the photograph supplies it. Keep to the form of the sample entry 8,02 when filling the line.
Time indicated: 12,58
